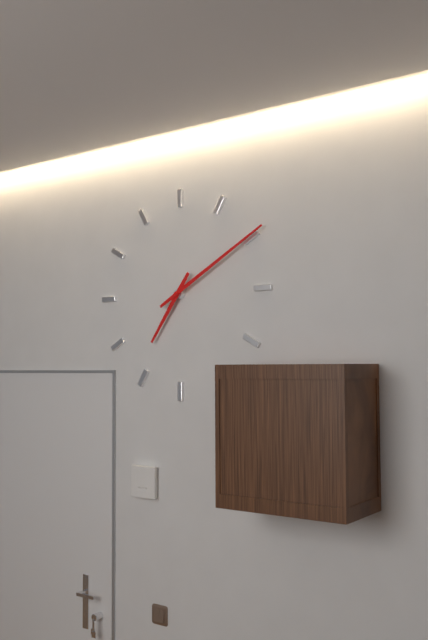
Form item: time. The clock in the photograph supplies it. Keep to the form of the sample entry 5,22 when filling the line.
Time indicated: 7,10
